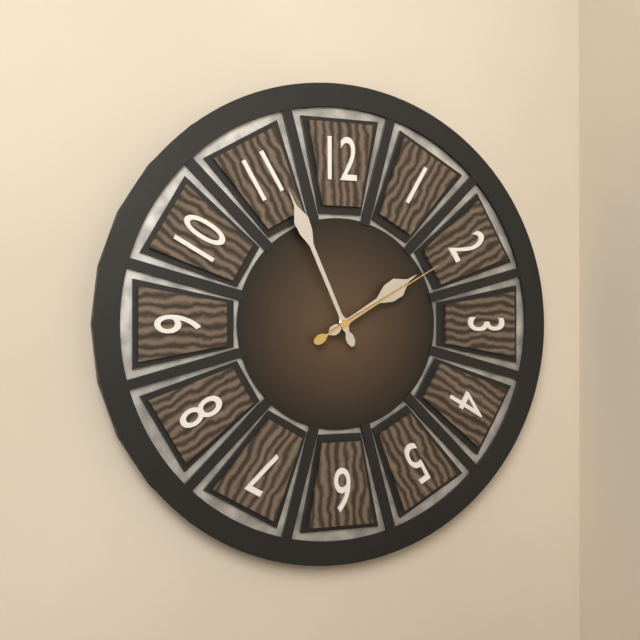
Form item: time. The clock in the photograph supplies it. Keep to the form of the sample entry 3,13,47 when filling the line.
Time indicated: 1,56,10
